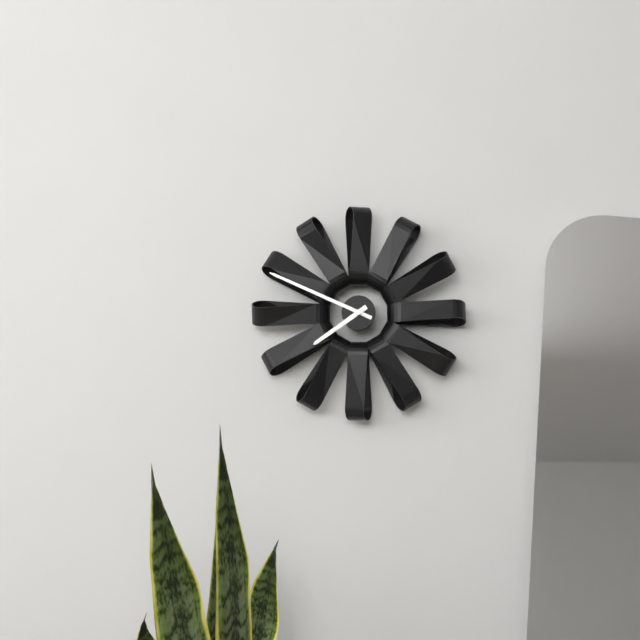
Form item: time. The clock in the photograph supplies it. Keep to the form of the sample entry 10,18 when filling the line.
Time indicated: 7,49
